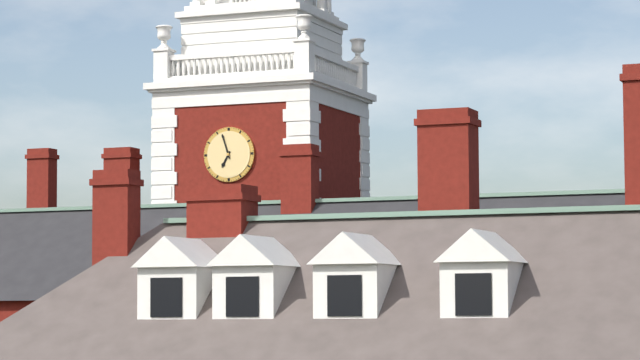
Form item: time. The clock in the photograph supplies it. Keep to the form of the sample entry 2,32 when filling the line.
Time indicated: 6,57
